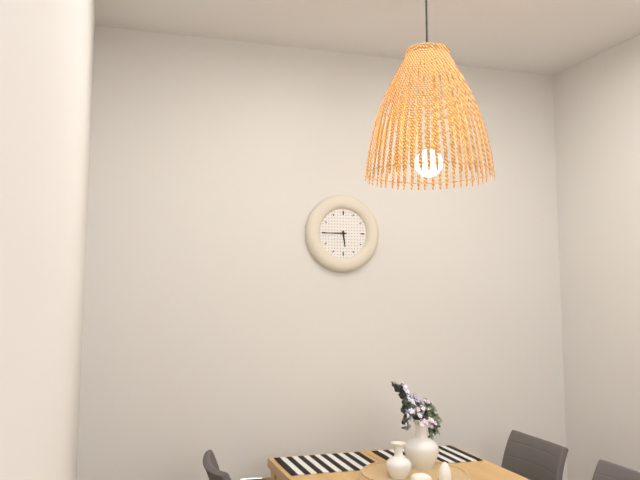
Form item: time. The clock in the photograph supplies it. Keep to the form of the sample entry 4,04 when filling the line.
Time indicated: 5,45
